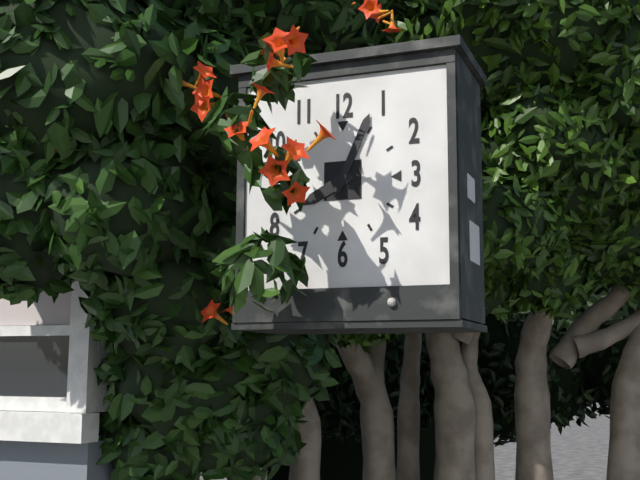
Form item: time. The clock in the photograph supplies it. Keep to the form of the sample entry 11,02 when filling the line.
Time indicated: 8,04
